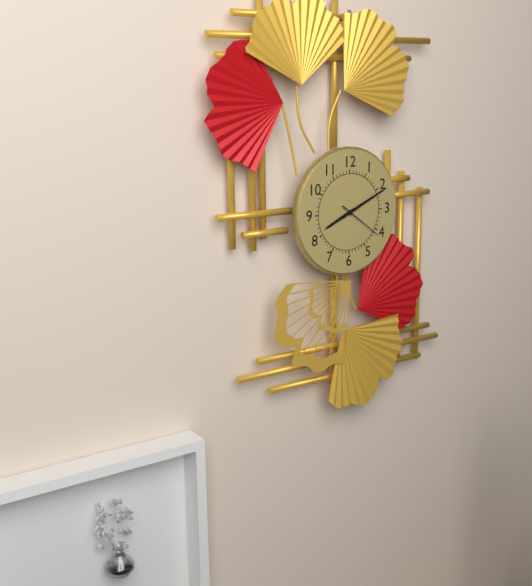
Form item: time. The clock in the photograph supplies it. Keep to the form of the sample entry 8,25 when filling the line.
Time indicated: 8,11
